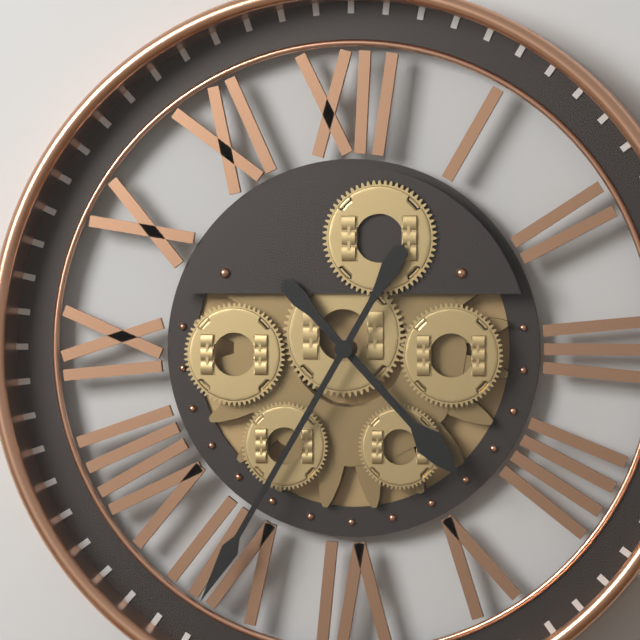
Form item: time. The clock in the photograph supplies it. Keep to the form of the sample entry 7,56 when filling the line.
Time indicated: 4,35
